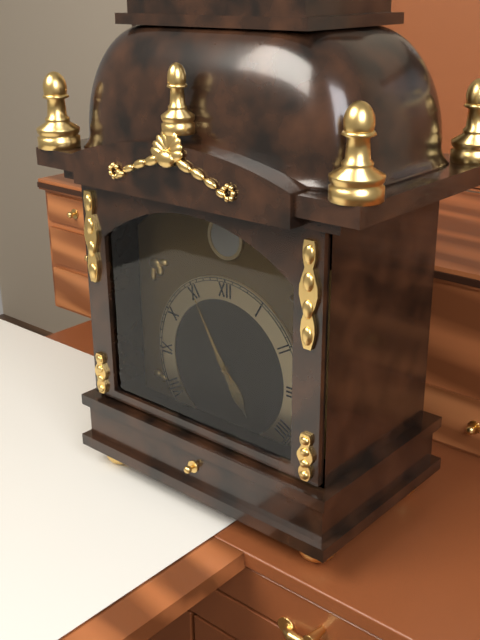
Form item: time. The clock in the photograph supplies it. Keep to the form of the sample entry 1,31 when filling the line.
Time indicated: 4,55
